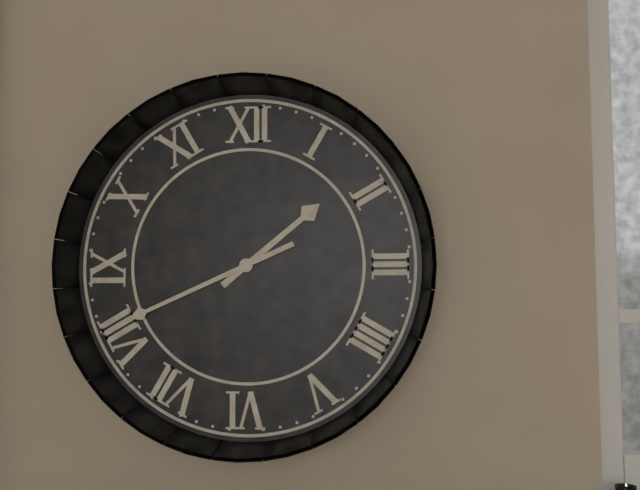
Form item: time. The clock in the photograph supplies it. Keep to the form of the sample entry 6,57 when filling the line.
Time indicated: 1,41
